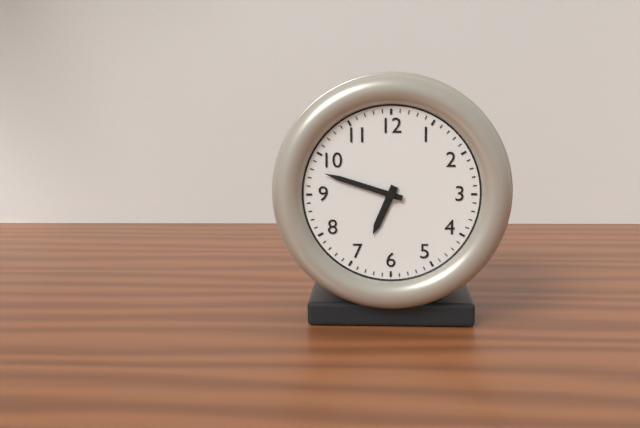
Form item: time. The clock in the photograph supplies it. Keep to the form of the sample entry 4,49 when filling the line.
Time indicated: 6,48
